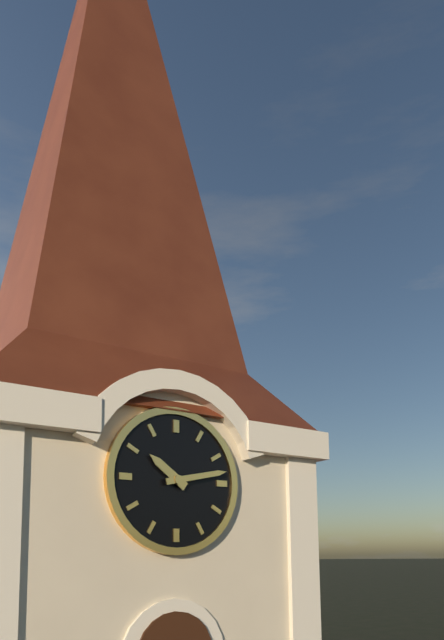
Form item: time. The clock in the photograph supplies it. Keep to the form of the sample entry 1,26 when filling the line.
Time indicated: 10,13
